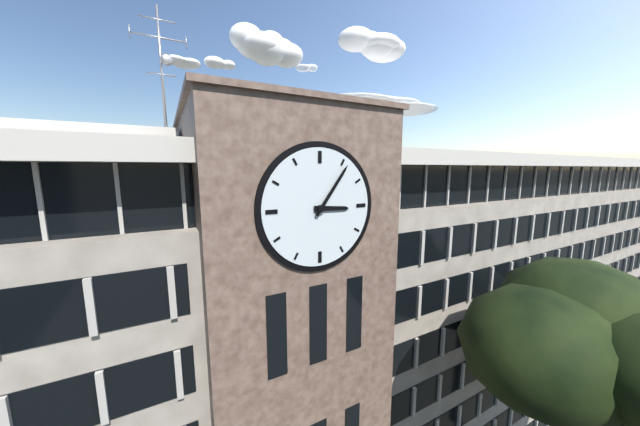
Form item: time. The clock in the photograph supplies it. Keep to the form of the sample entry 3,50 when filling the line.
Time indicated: 3,06
